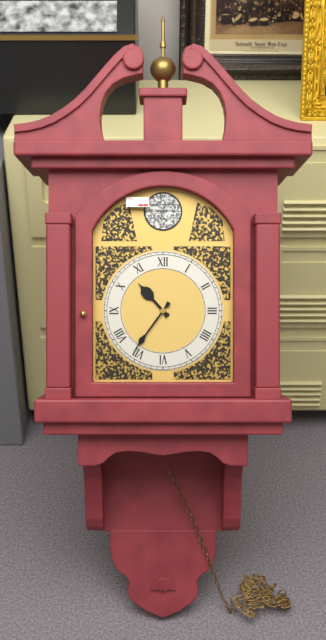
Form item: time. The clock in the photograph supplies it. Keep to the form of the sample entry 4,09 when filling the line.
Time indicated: 10,36
